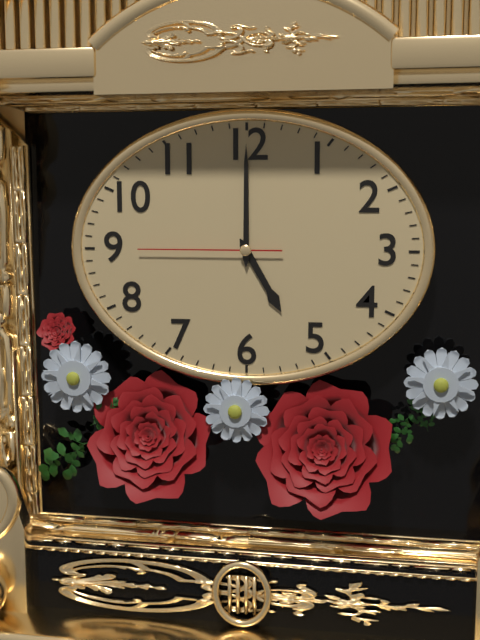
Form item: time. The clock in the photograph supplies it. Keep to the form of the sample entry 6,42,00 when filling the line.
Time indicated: 5,00,45
